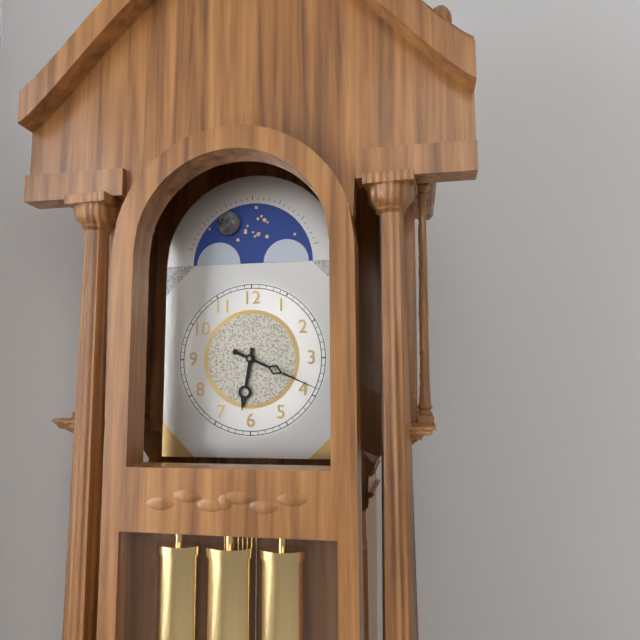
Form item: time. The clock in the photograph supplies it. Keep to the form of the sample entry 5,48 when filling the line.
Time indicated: 6,19
